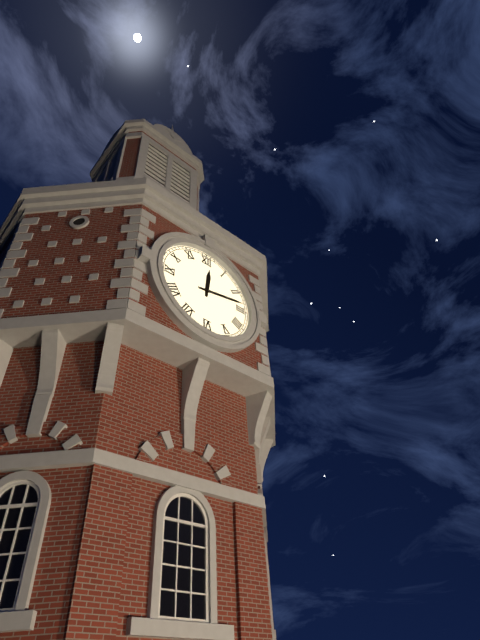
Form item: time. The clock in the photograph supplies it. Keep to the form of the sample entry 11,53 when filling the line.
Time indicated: 12,13
